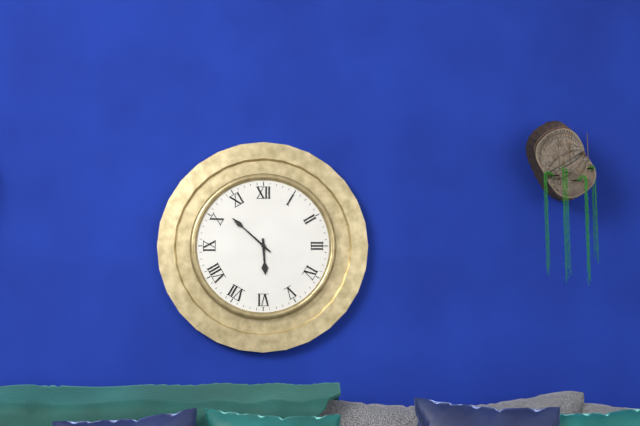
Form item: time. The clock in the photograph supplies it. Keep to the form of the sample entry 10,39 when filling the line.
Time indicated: 5,52
